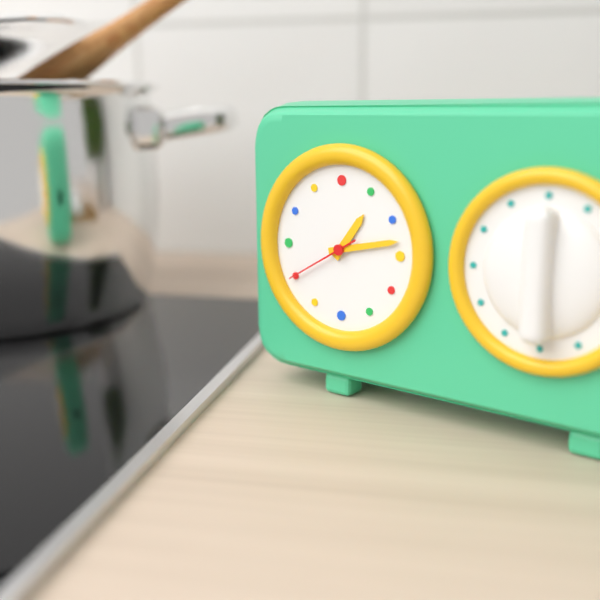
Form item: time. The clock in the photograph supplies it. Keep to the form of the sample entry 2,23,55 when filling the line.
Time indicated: 1,13,40
